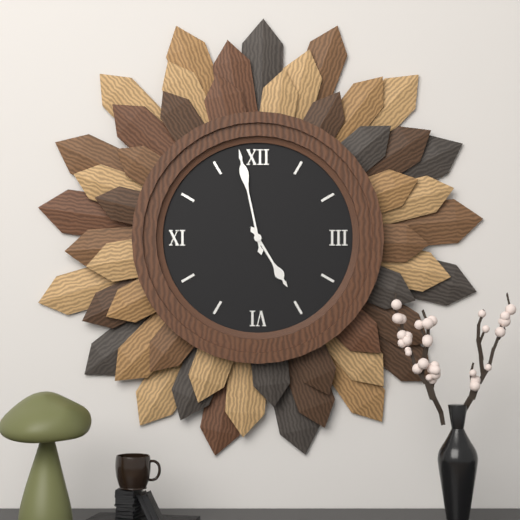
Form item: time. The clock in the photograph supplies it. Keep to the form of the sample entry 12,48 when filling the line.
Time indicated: 4,58
